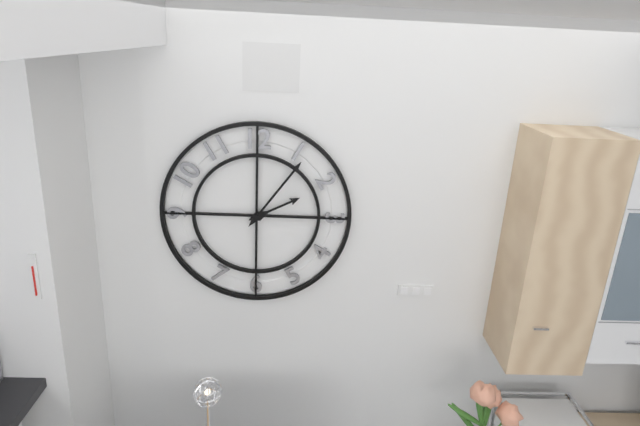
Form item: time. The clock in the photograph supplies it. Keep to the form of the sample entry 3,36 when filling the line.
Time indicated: 2,06
